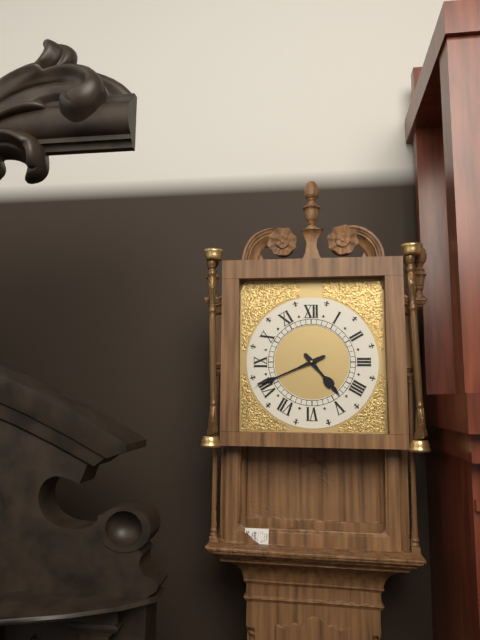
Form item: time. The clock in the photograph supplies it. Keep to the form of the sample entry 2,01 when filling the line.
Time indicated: 4,41
